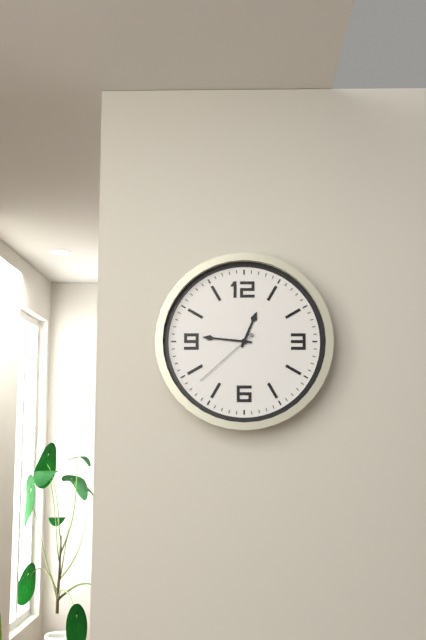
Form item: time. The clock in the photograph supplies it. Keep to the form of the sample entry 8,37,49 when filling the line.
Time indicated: 12,46,38
